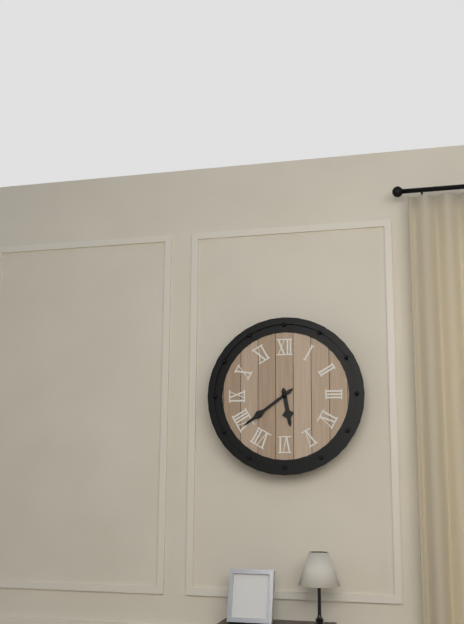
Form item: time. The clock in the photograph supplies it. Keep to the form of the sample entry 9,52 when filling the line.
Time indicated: 5,39
